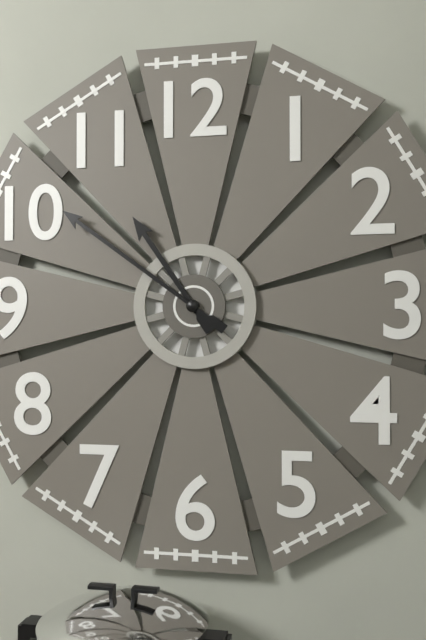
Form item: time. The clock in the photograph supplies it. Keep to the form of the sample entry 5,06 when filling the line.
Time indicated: 10,51
